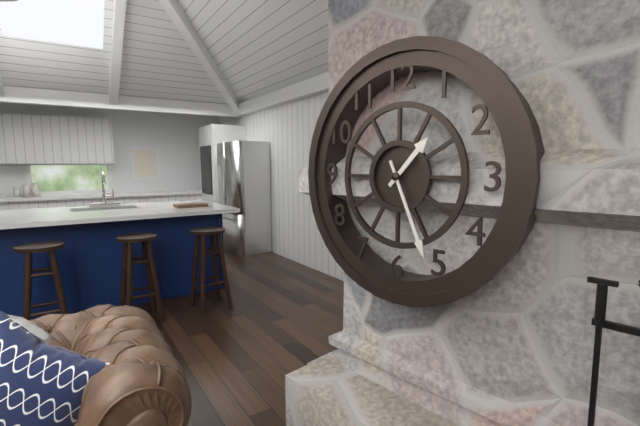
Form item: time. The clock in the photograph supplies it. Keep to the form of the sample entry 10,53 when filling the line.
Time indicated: 1,26
